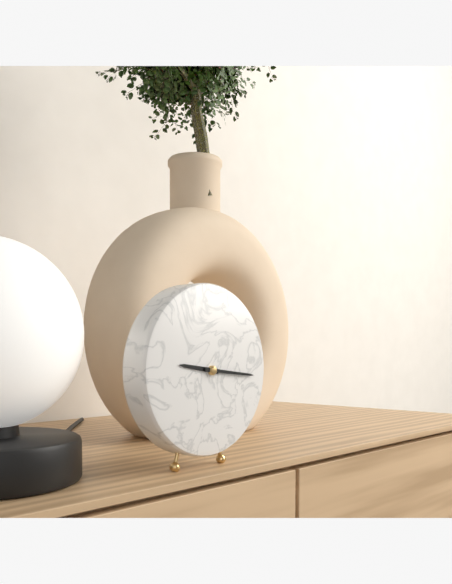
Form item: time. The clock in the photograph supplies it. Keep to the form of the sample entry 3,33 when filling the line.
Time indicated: 9,16
